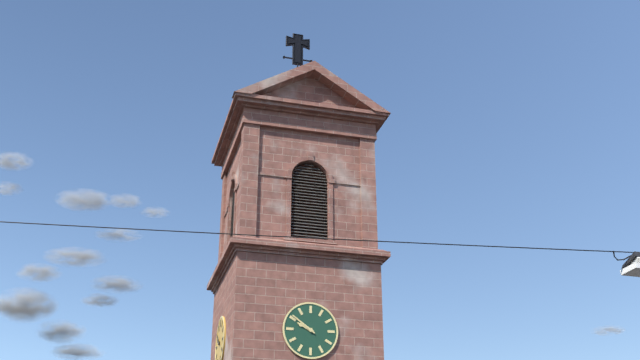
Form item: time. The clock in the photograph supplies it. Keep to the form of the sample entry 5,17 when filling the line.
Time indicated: 9,51
